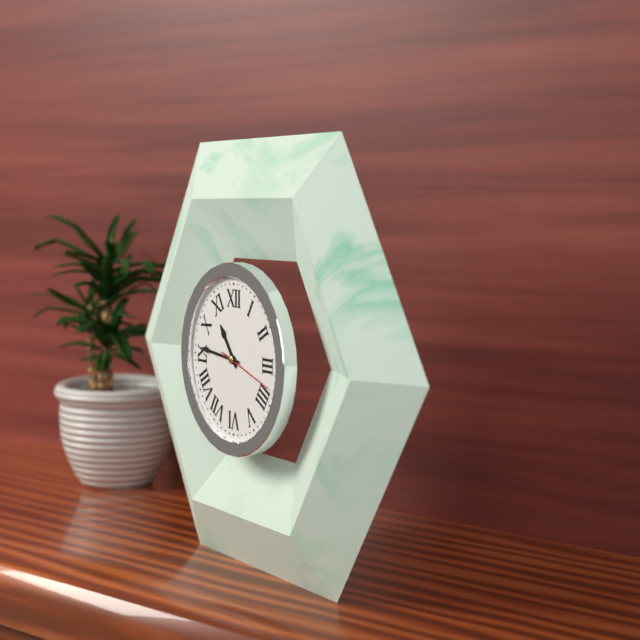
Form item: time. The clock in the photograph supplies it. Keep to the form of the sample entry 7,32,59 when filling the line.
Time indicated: 10,46,18
